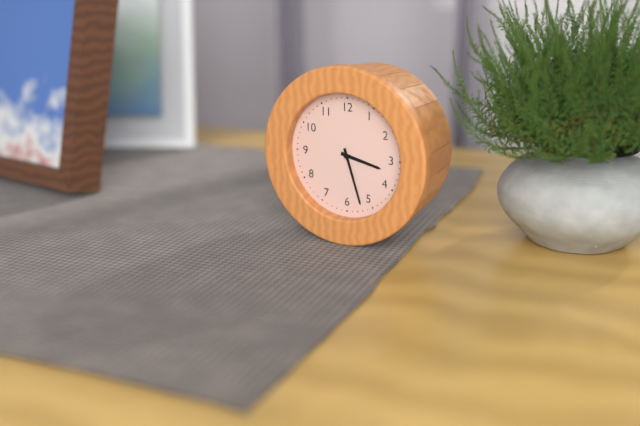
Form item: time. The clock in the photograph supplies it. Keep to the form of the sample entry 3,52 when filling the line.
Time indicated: 3,27
